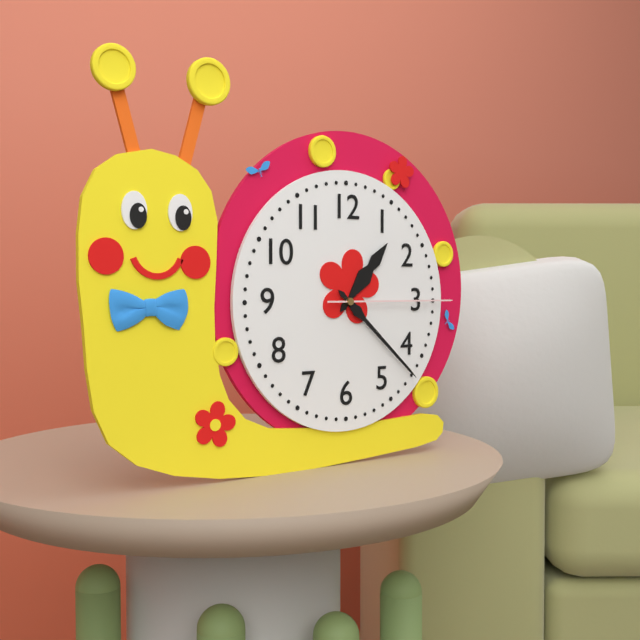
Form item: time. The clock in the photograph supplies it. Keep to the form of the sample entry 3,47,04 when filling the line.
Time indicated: 1,22,15
